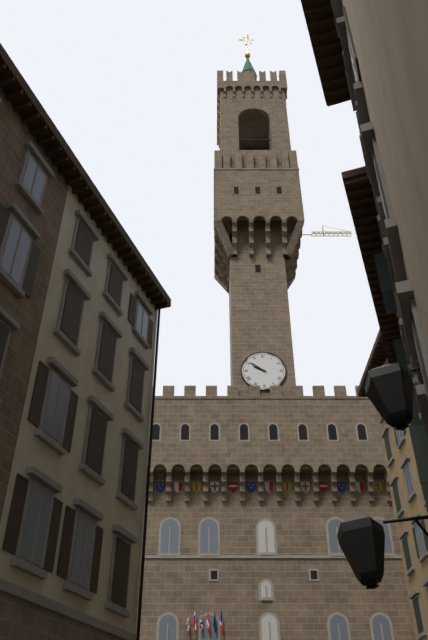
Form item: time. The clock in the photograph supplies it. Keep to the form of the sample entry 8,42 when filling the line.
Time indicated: 9,51
